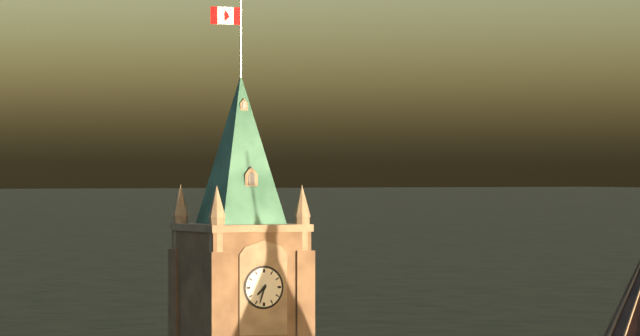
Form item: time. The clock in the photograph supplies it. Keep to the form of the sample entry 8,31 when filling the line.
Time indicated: 7,33
